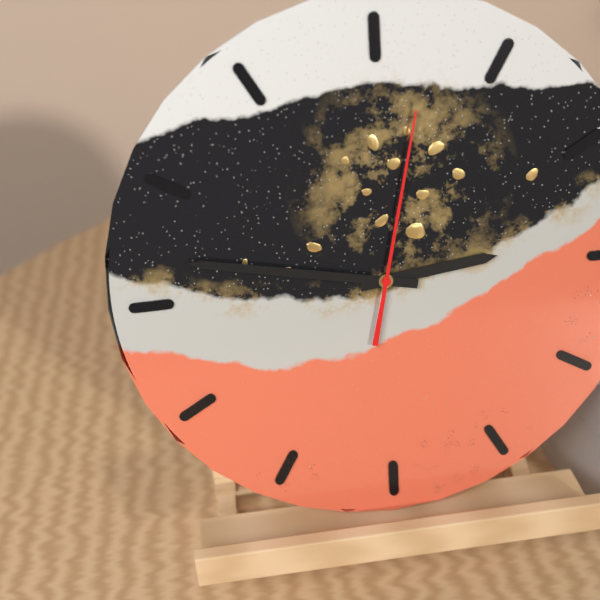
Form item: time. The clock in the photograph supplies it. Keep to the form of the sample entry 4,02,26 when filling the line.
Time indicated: 2,47,02
